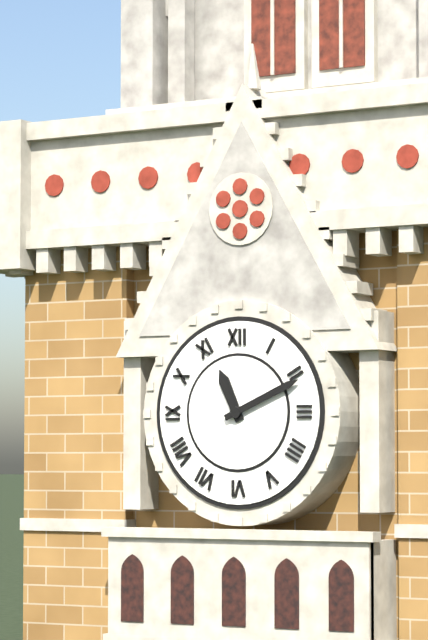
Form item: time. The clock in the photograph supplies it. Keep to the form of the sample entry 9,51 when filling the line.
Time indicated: 11,11
